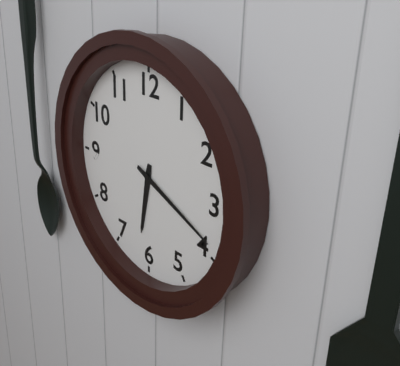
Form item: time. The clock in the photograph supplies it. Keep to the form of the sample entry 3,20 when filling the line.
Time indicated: 6,19
